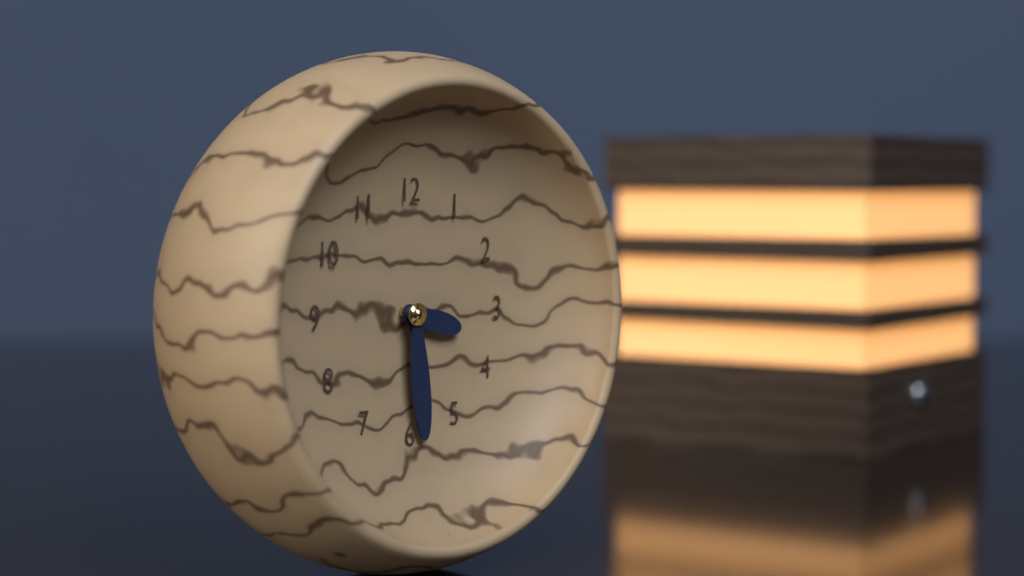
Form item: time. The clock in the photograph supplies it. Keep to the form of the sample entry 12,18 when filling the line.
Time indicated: 3,29
